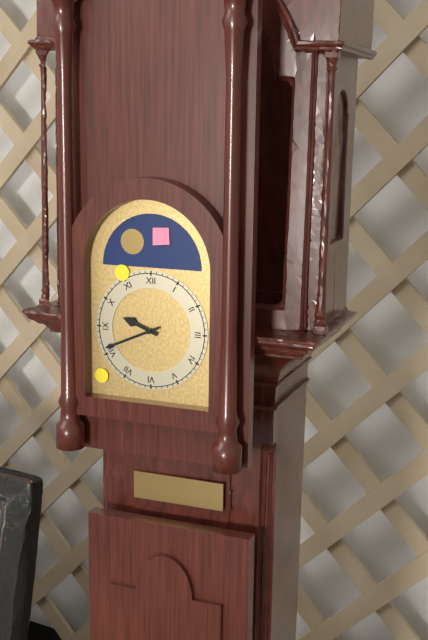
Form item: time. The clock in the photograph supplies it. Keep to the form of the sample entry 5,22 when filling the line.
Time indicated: 9,41
